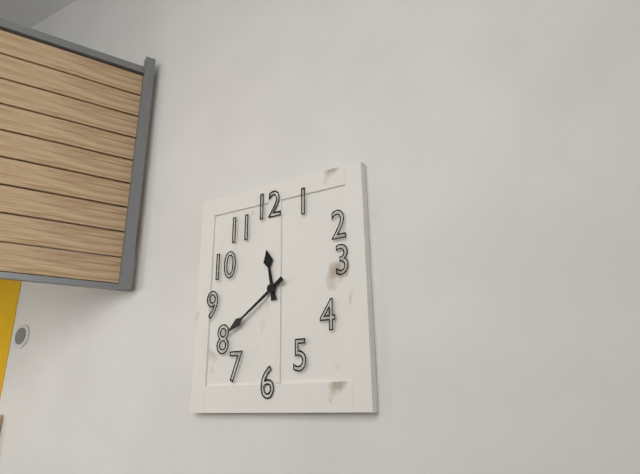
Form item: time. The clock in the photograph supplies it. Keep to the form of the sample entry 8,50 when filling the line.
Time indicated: 11,39
